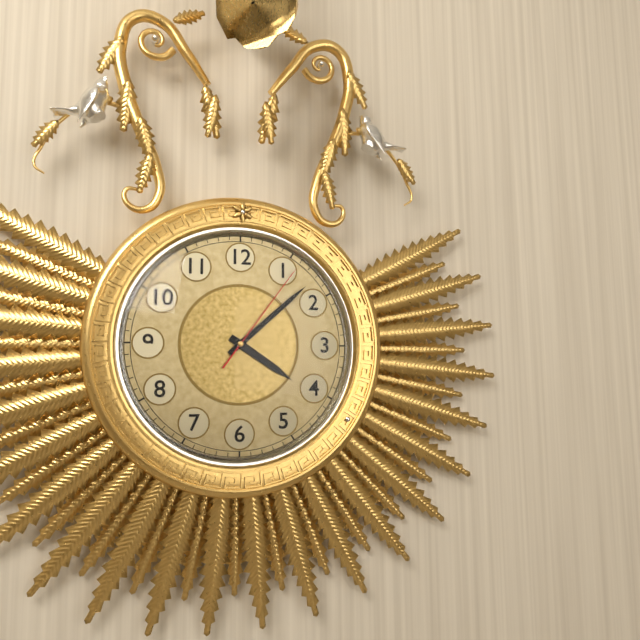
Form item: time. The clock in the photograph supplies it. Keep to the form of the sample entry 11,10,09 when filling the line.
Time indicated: 4,08,06
